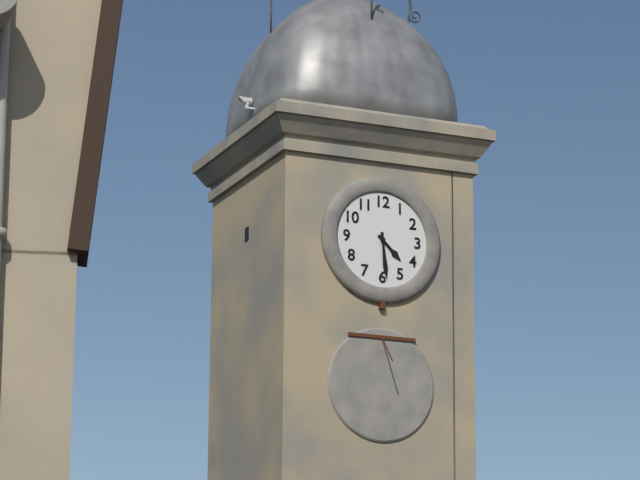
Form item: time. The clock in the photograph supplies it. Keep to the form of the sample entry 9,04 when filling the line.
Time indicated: 4,29
